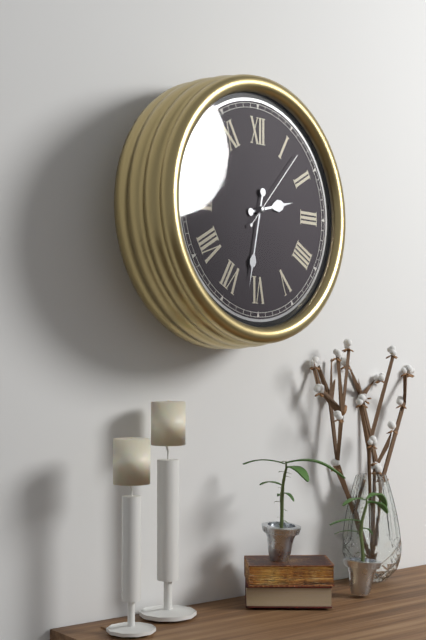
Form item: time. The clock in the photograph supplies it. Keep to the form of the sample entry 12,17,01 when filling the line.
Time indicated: 2,32,07
